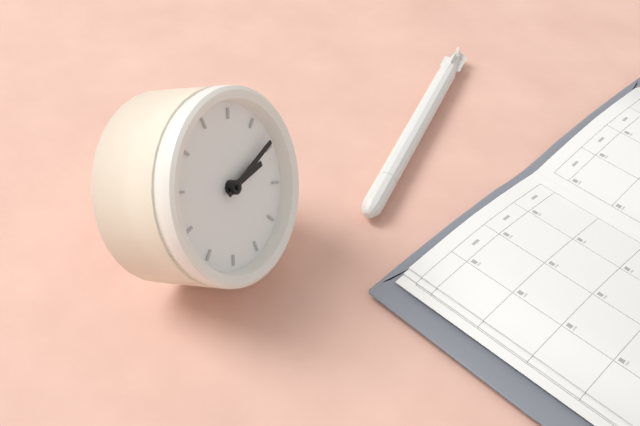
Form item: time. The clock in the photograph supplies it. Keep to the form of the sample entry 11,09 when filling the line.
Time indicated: 2,09
